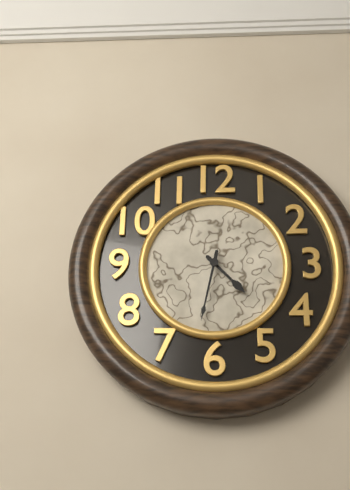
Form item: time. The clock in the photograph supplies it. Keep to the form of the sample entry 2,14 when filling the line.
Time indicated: 4,32
